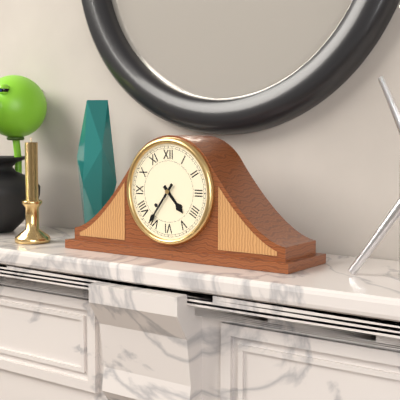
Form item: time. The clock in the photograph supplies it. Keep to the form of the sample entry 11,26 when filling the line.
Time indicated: 4,36
